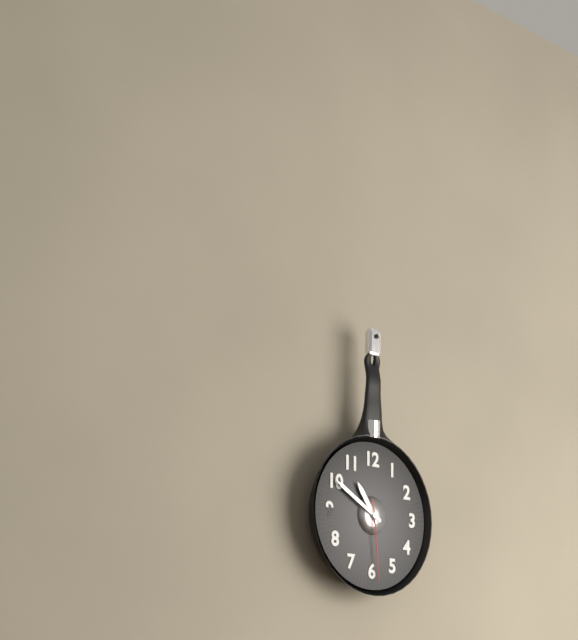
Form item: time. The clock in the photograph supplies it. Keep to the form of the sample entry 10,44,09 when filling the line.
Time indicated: 10,50,29
